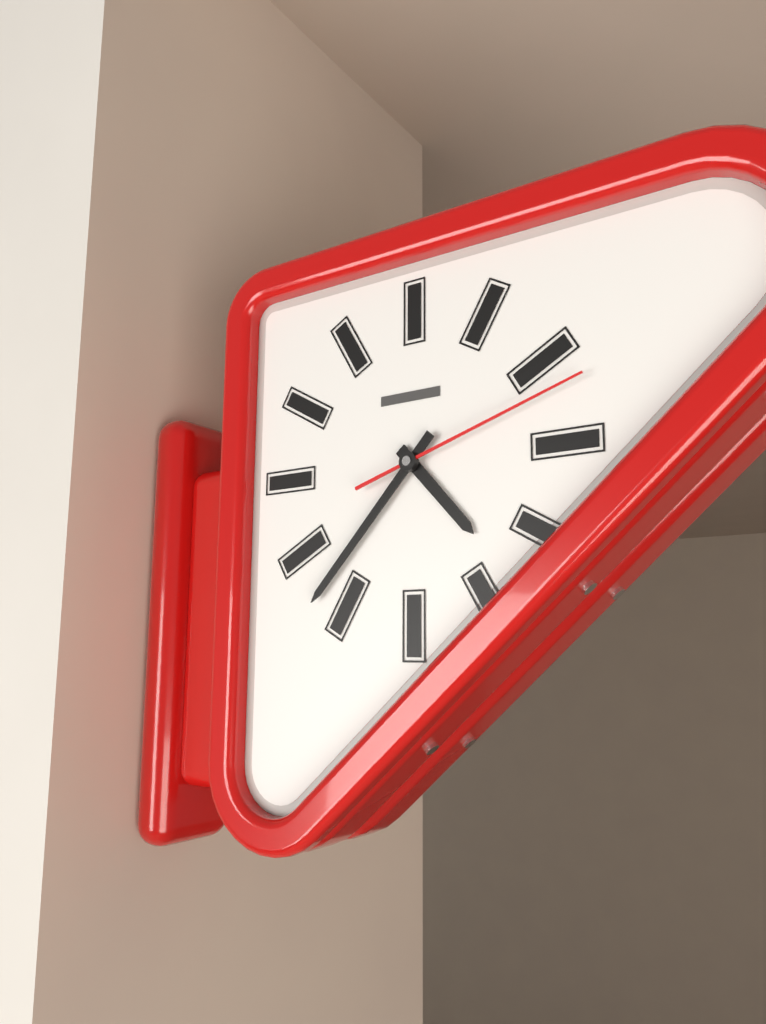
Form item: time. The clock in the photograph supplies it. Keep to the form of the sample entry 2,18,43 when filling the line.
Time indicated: 4,37,12
